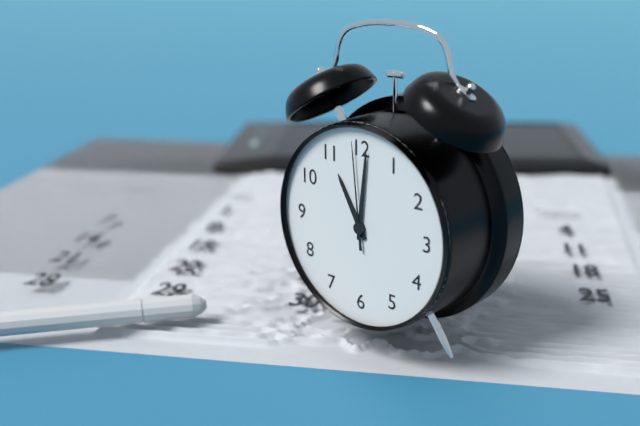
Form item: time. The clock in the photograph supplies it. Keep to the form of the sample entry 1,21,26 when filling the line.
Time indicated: 11,01,59
